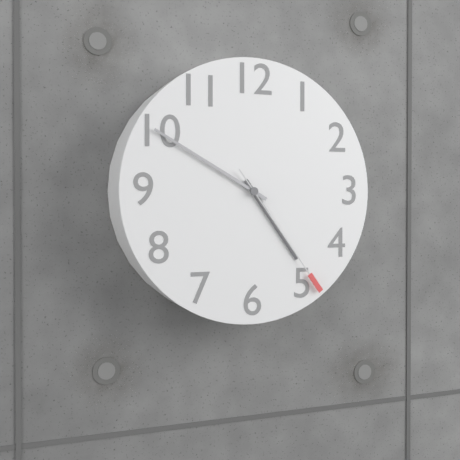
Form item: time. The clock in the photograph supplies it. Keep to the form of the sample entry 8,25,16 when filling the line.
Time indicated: 4,50,24
